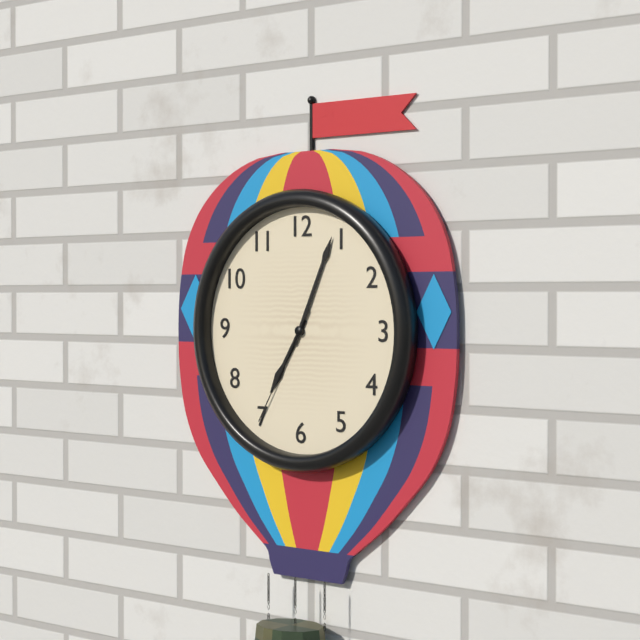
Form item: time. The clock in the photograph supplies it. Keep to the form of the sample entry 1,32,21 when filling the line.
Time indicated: 7,04,35
